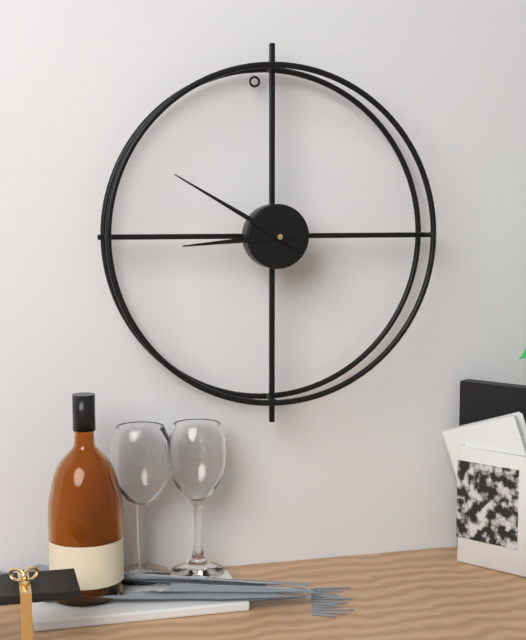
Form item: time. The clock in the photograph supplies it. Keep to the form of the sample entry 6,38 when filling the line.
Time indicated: 8,50
